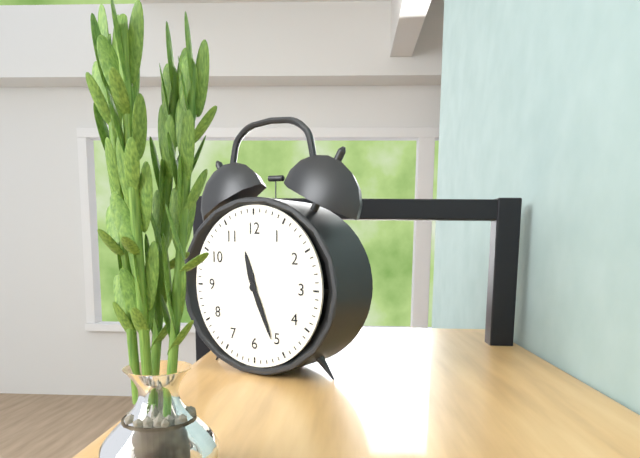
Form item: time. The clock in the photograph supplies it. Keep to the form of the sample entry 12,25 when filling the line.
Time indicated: 11,26
